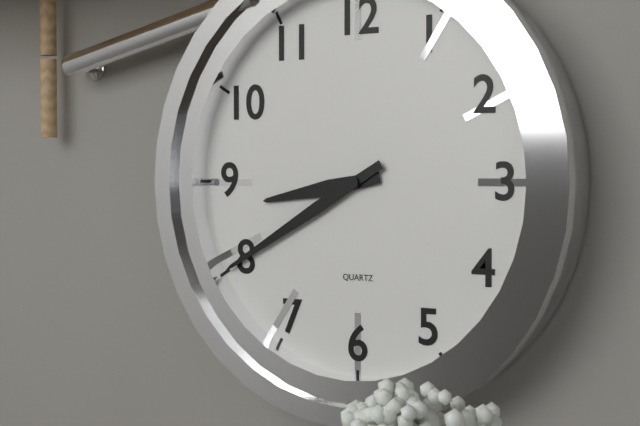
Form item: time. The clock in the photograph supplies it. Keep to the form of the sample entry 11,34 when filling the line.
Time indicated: 8,40
